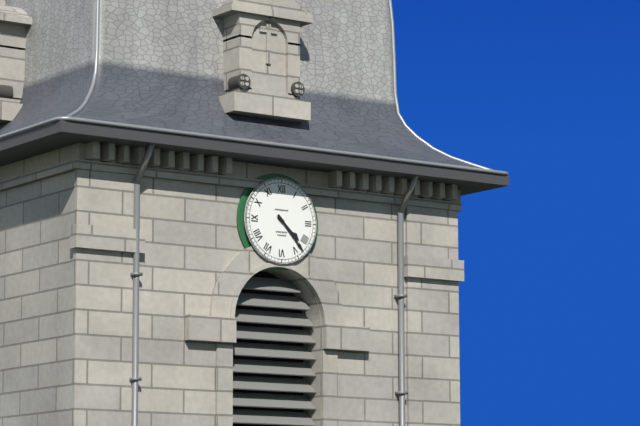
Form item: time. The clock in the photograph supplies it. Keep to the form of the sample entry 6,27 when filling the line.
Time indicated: 4,23
